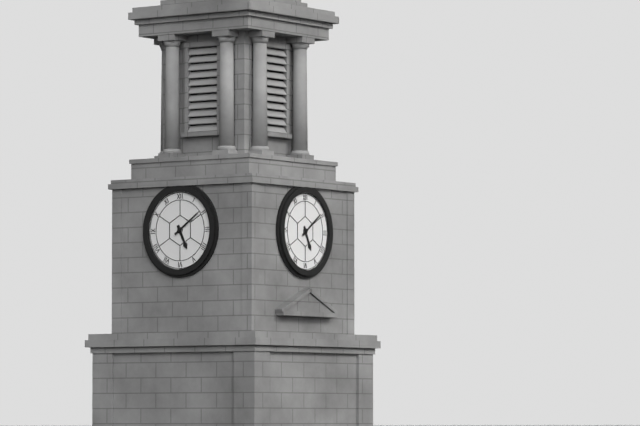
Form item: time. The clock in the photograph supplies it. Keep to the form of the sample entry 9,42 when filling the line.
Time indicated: 5,09
